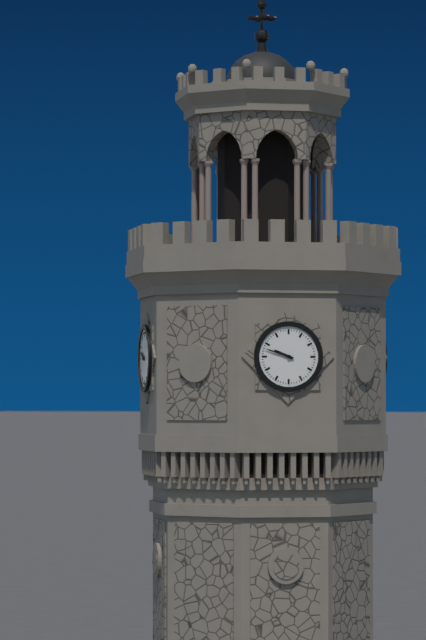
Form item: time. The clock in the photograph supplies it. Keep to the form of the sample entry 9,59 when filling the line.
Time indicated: 9,48
